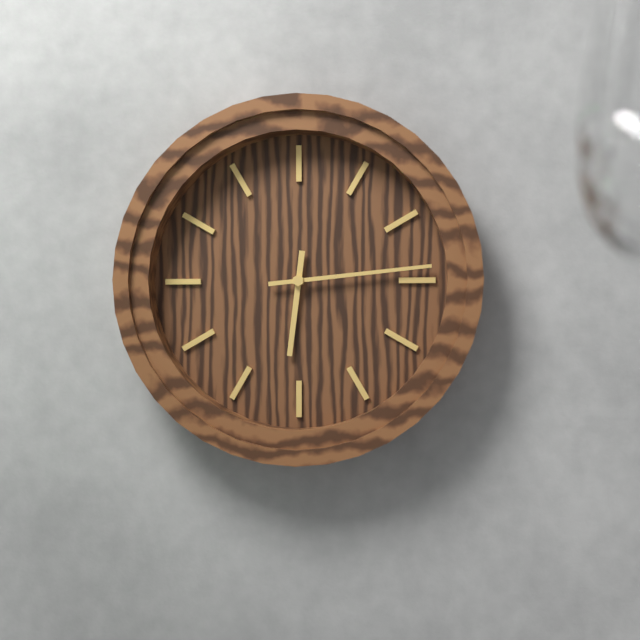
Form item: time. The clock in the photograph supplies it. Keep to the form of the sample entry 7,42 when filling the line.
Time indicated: 6,14
